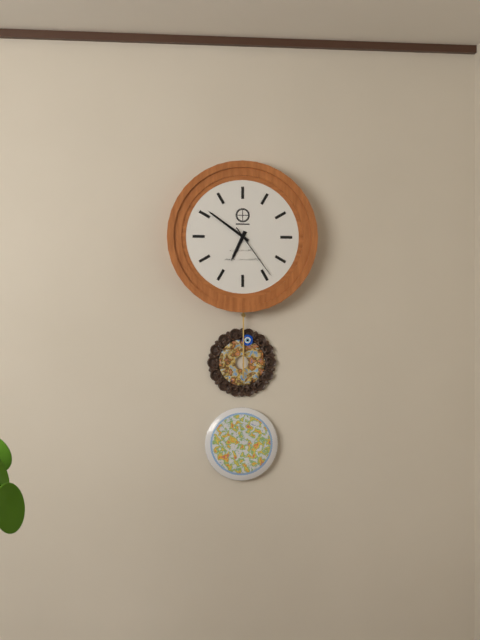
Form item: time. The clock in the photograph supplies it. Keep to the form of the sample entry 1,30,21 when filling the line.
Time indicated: 6,51,24
